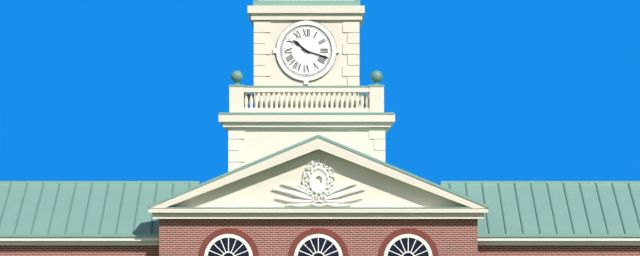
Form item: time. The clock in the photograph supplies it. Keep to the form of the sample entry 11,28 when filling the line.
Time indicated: 10,18
